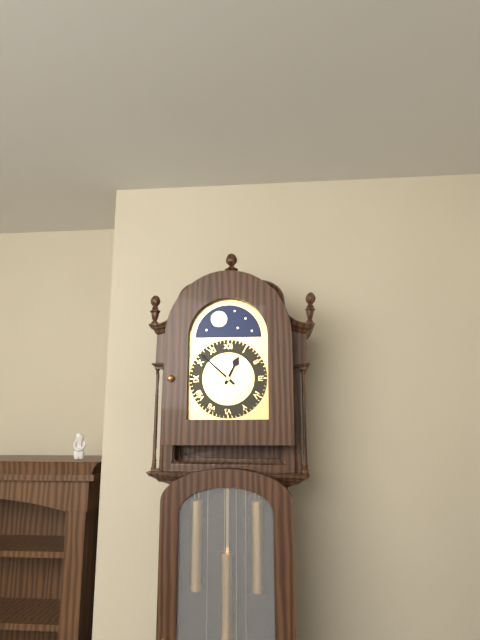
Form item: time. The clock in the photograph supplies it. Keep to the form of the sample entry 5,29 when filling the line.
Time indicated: 12,52
